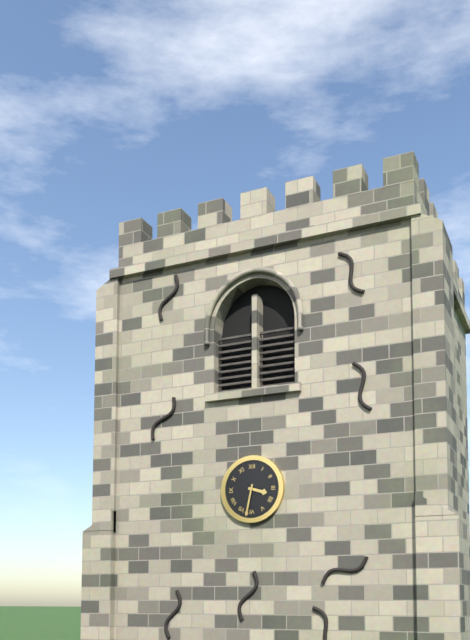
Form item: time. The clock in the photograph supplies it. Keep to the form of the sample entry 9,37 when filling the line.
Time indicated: 3,32
